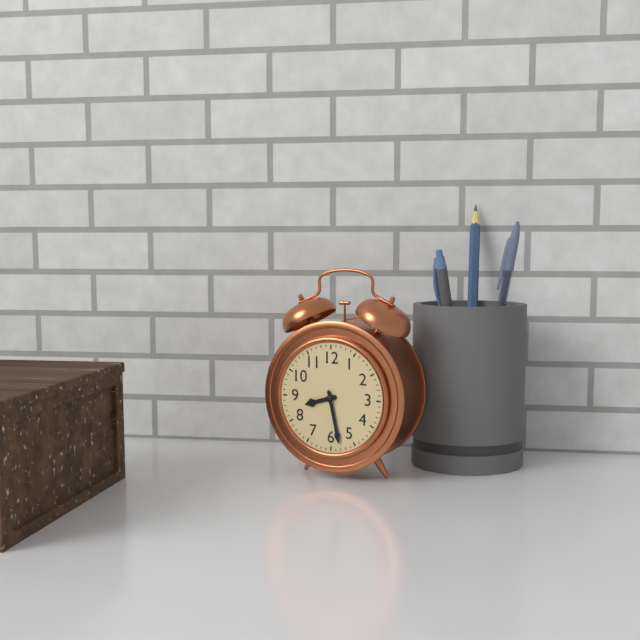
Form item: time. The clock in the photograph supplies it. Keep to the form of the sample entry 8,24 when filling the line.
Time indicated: 8,28
